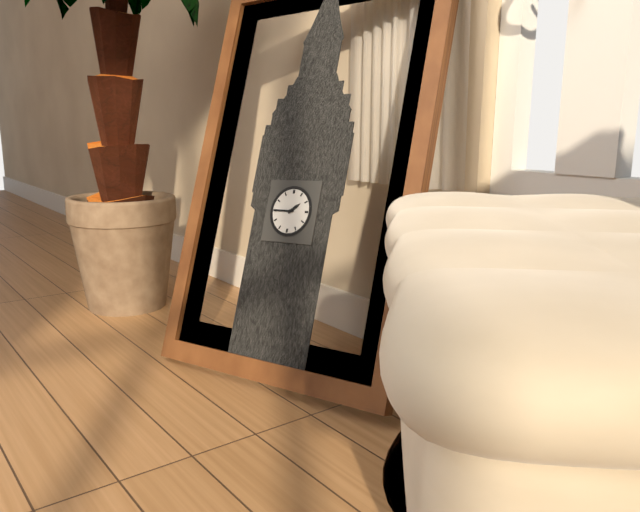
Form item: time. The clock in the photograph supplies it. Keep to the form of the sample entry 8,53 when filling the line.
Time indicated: 1,45
